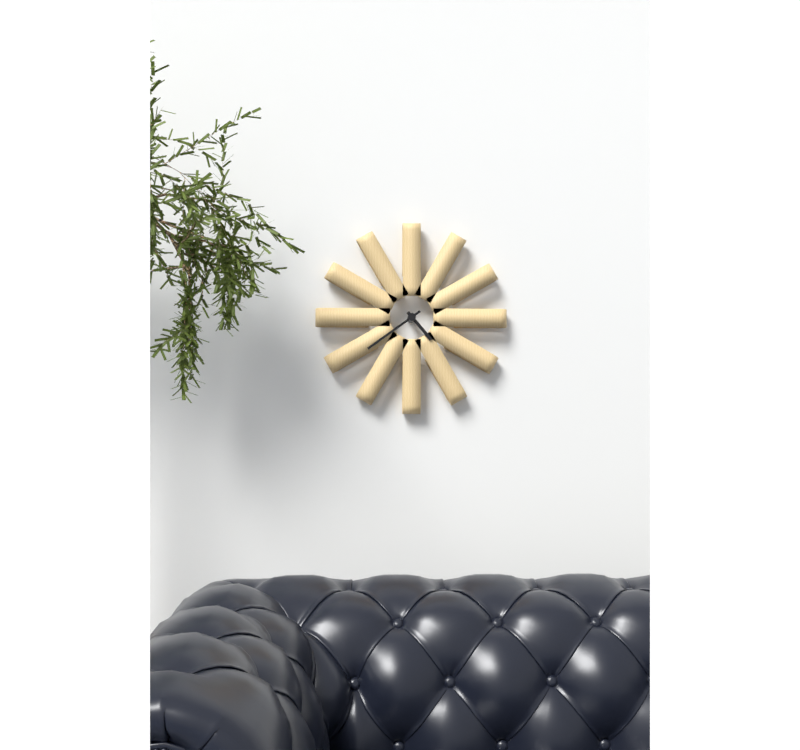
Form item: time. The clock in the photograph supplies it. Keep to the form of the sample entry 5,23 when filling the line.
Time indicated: 4,39
